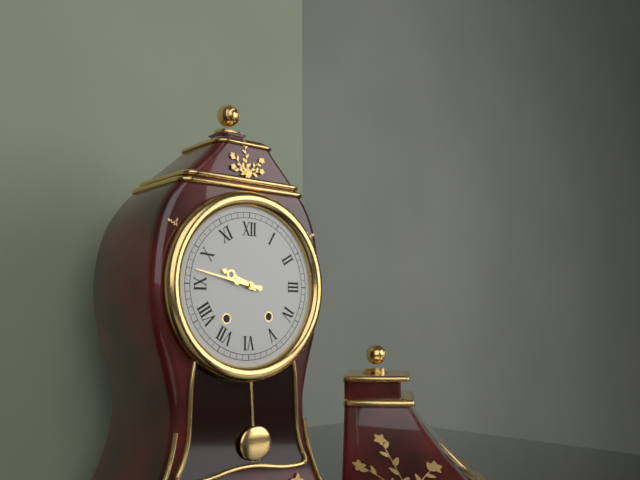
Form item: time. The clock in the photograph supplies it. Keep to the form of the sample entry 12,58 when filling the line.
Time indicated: 9,47
